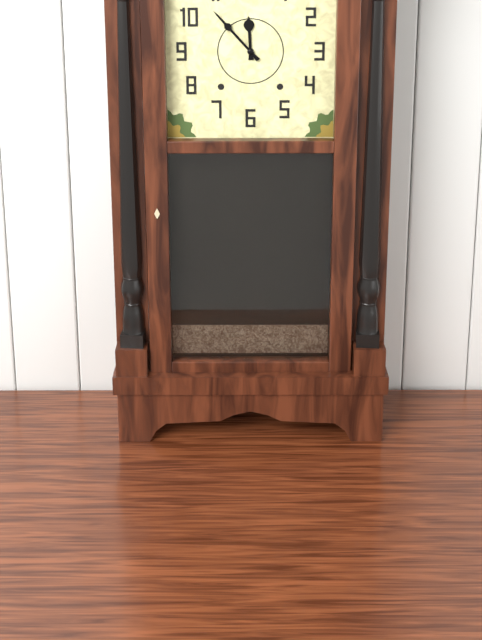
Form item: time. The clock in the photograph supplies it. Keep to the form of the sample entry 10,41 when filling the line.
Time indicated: 11,53
